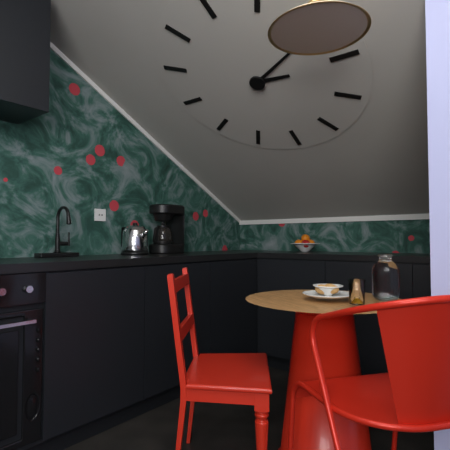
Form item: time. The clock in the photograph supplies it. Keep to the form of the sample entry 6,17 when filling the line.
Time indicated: 3,11
